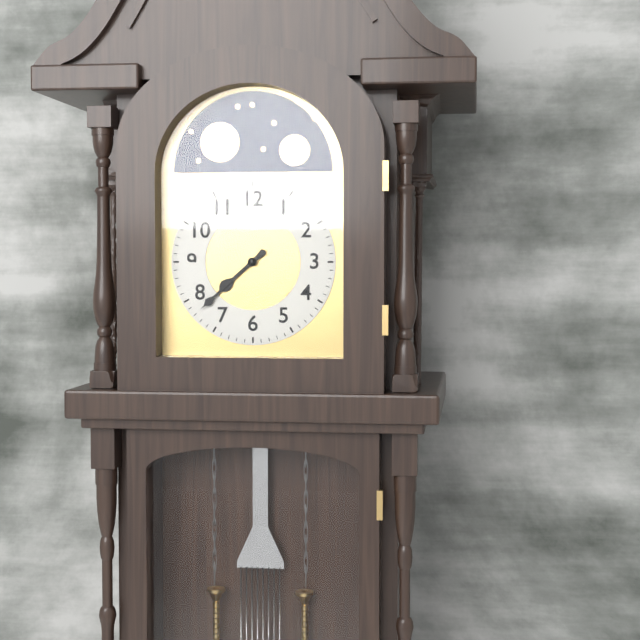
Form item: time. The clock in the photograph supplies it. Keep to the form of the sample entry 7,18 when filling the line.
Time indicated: 7,38
